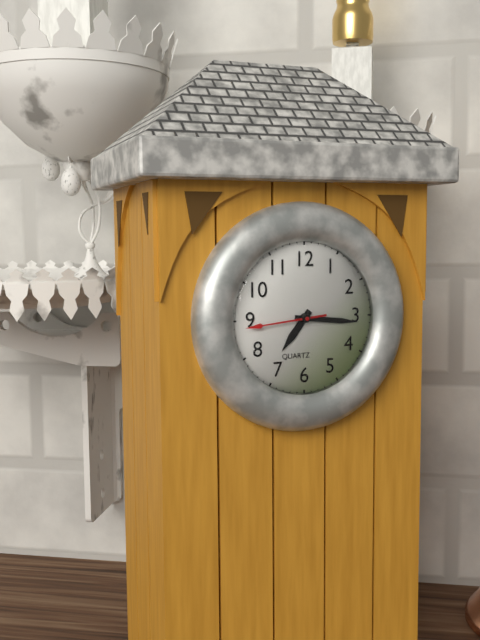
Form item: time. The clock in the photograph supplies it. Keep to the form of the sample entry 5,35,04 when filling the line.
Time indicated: 7,16,44
